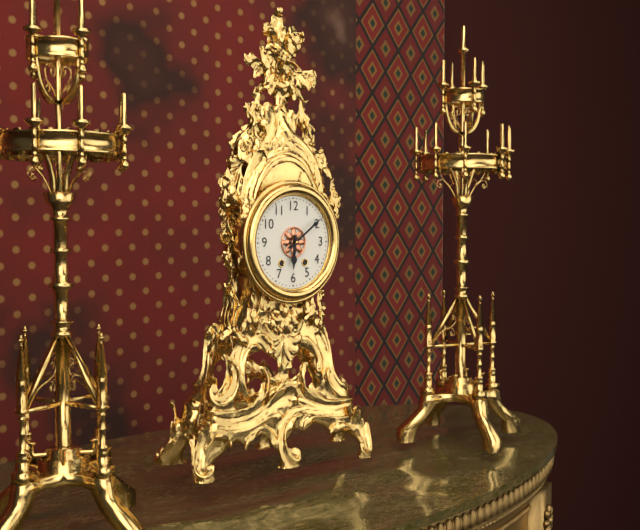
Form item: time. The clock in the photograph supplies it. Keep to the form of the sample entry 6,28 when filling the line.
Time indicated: 6,09
